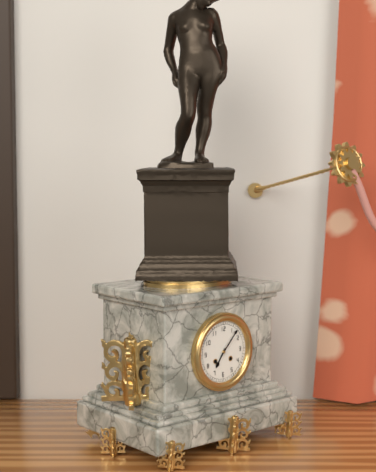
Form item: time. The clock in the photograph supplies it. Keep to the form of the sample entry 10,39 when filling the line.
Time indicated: 7,07
